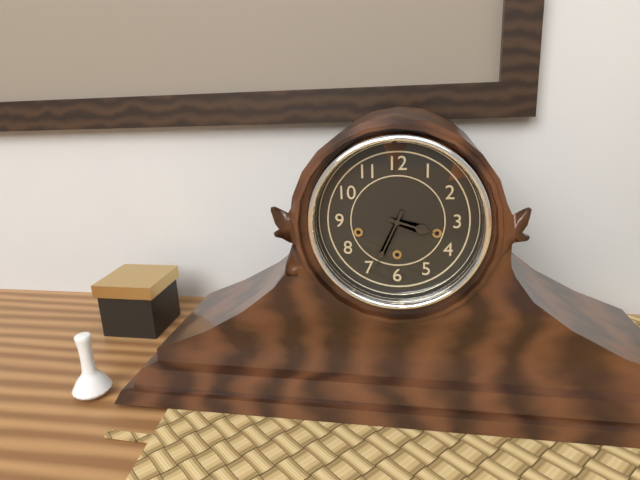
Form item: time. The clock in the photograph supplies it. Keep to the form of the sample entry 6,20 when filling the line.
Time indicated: 3,34
